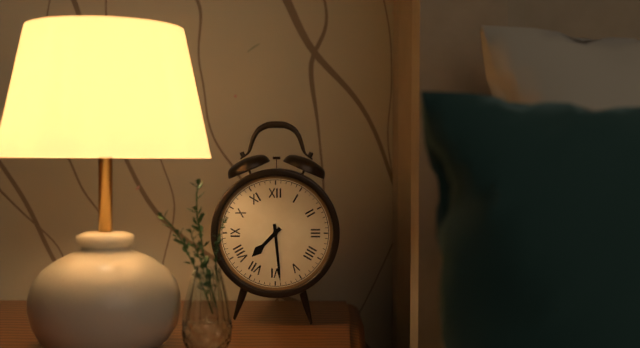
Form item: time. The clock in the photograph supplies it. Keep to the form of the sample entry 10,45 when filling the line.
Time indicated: 7,29
